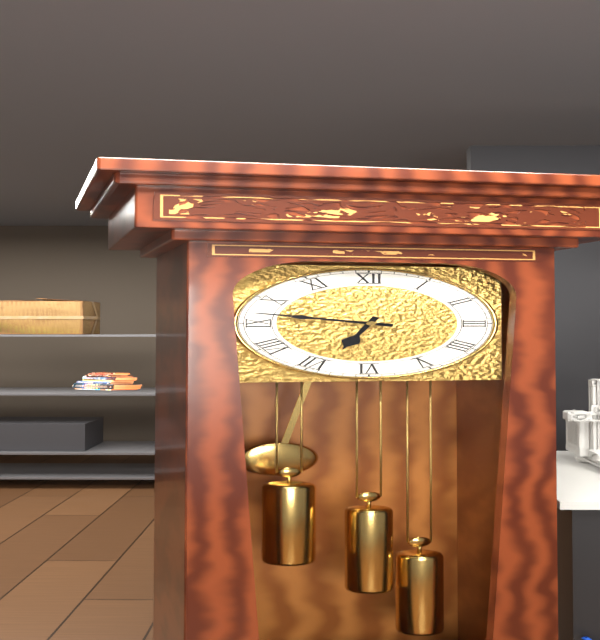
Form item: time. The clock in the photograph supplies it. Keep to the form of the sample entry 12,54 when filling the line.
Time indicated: 6,47
